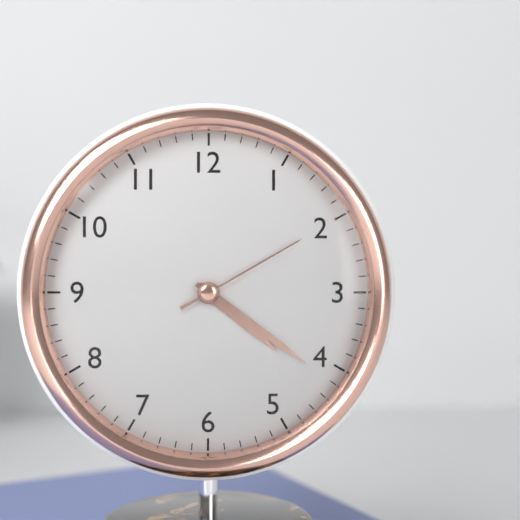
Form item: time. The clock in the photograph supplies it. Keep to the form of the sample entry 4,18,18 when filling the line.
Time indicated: 4,21,10
